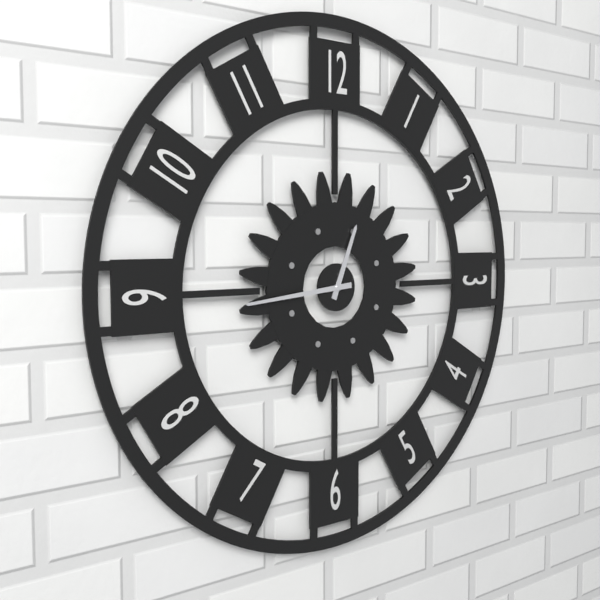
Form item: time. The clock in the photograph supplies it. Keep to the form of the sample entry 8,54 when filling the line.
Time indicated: 12,44
